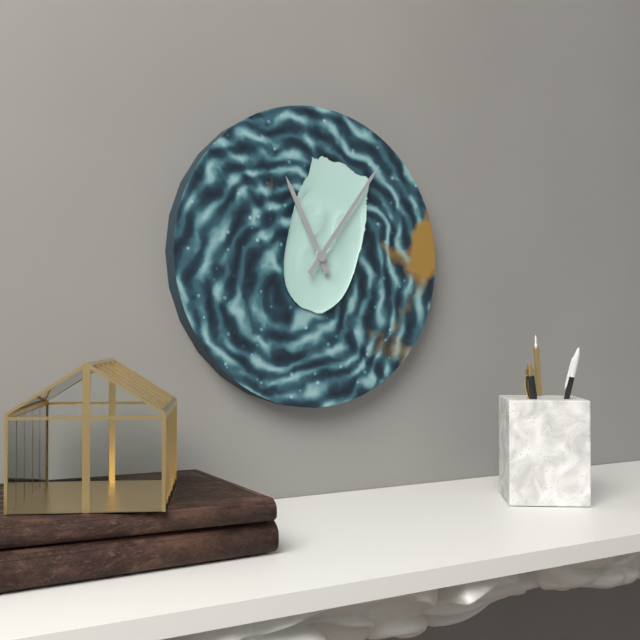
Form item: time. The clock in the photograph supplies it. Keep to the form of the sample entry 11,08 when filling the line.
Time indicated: 11,06
